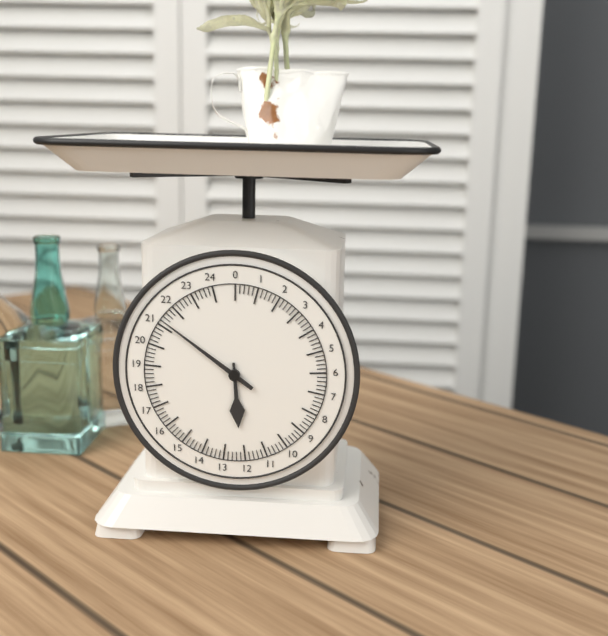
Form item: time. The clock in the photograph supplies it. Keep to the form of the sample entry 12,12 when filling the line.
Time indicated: 5,51
